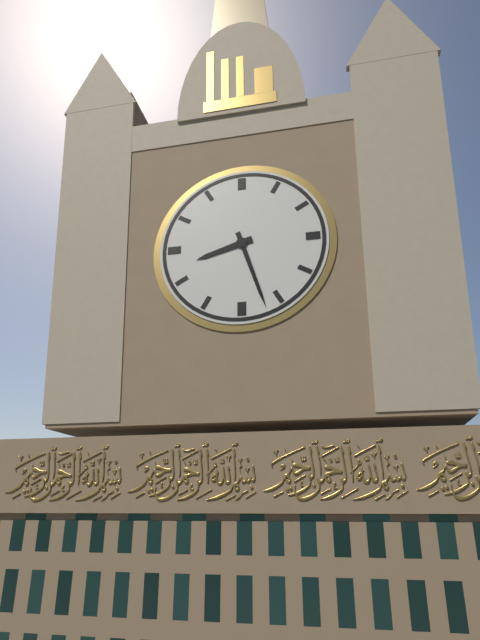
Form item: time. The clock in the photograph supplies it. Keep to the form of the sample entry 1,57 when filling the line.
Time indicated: 8,27
